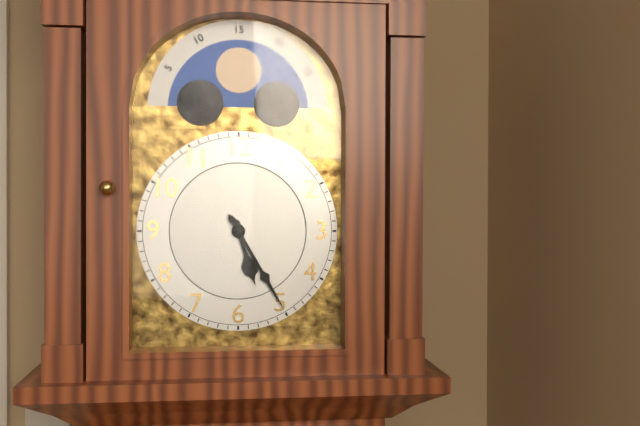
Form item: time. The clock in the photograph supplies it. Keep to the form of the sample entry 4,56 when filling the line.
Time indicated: 5,25
